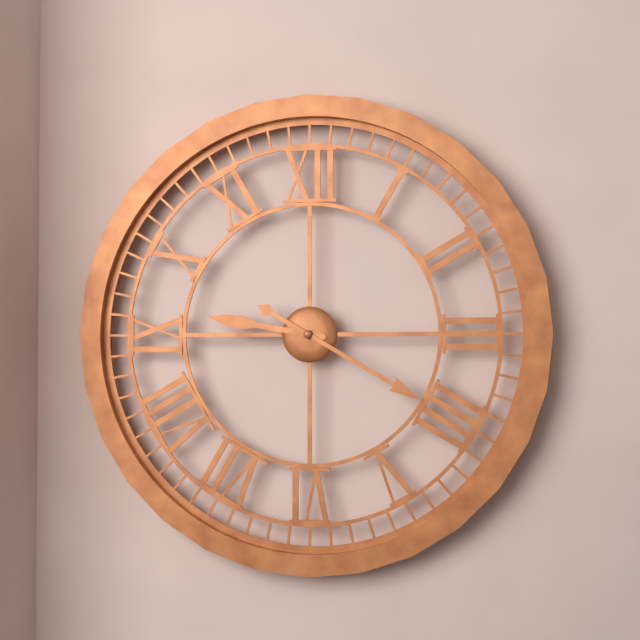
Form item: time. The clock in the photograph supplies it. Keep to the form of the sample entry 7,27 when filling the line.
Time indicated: 9,20
